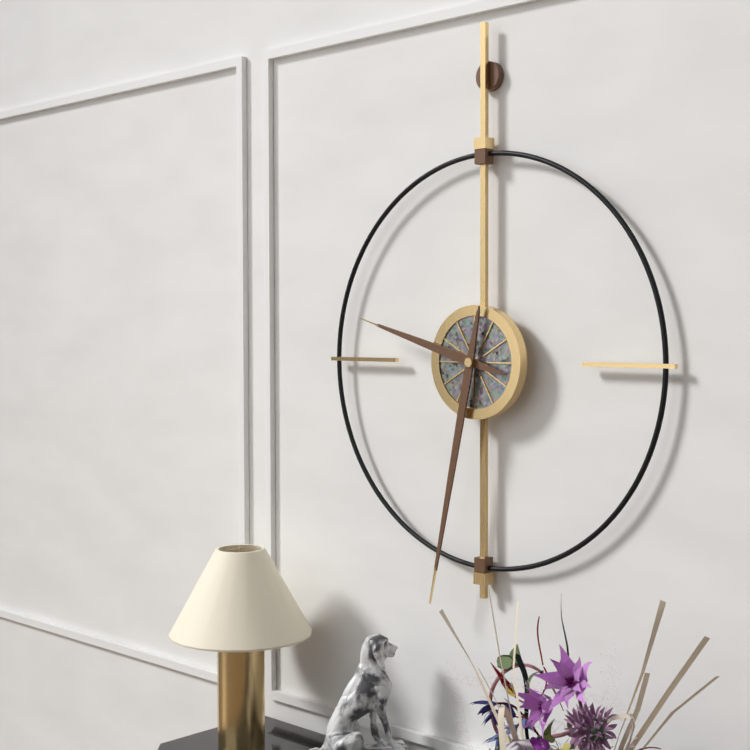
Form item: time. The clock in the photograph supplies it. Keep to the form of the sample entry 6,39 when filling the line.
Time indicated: 9,32
